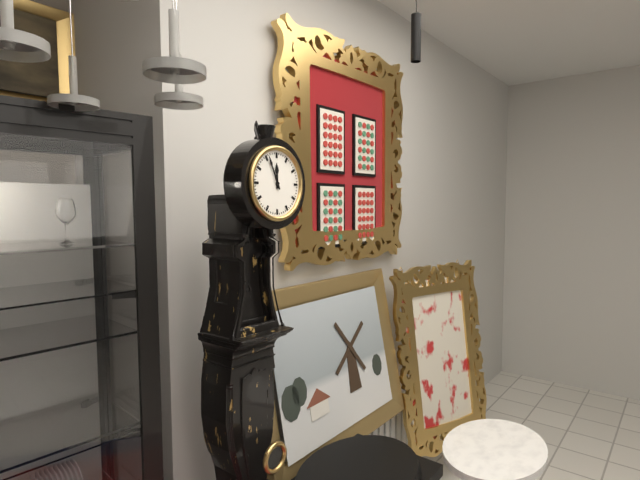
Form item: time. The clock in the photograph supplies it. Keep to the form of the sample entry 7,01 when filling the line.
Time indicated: 11,56
